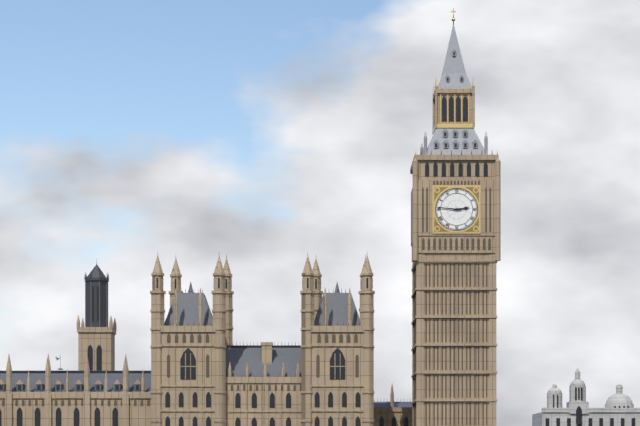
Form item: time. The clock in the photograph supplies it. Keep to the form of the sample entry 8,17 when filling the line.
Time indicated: 2,46
